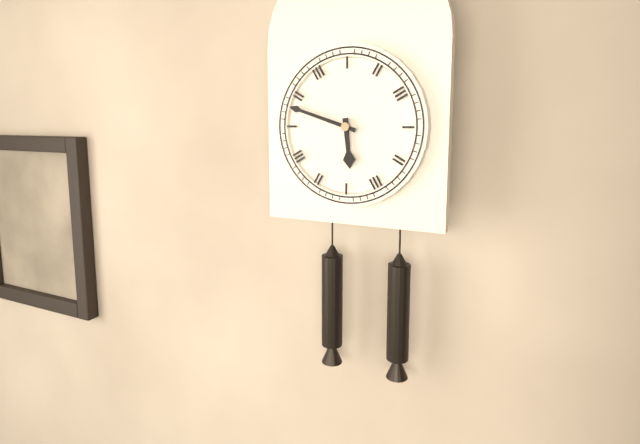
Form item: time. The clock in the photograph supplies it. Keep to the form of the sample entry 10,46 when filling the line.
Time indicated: 5,48
